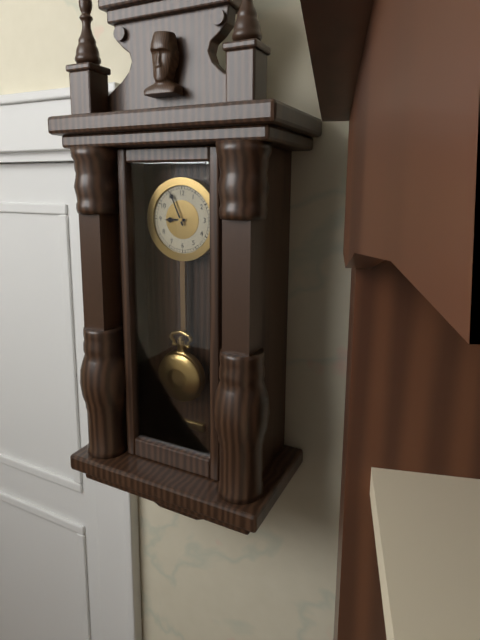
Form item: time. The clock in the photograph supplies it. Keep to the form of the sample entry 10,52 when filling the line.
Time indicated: 8,56
